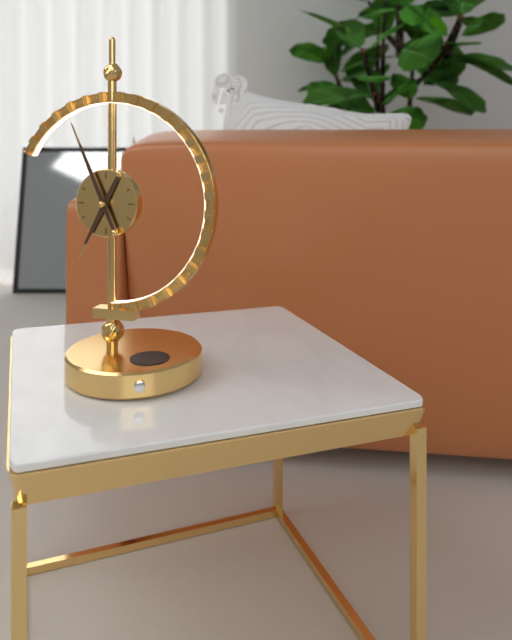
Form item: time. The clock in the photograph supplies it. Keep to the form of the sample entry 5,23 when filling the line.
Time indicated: 6,56
